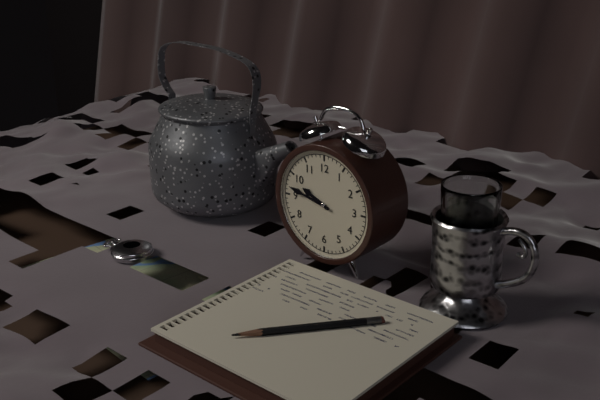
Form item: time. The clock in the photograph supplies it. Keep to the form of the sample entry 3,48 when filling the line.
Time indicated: 9,47
